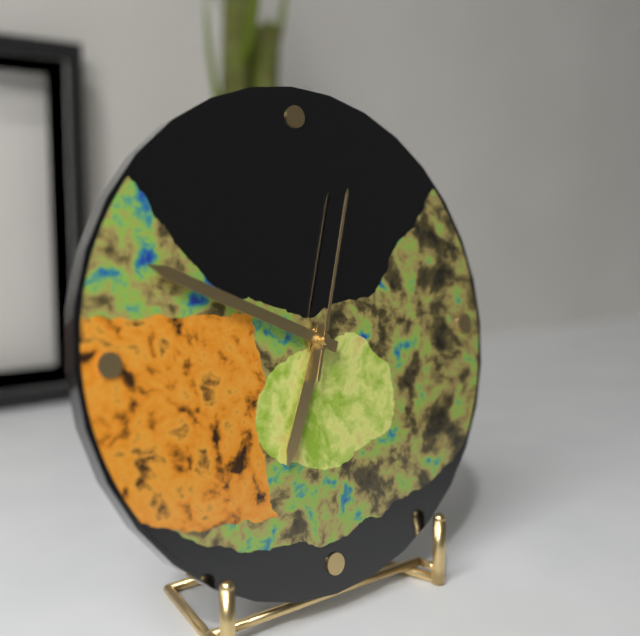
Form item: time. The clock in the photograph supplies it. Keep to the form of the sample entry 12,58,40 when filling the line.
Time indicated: 6,49,03
